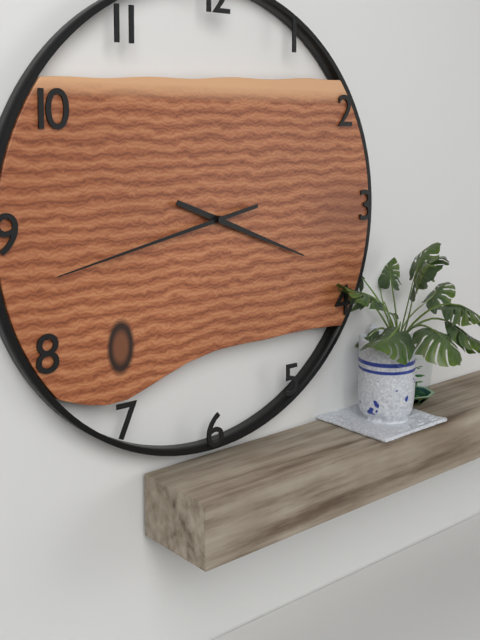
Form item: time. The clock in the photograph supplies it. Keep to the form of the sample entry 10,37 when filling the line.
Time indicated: 3,43
